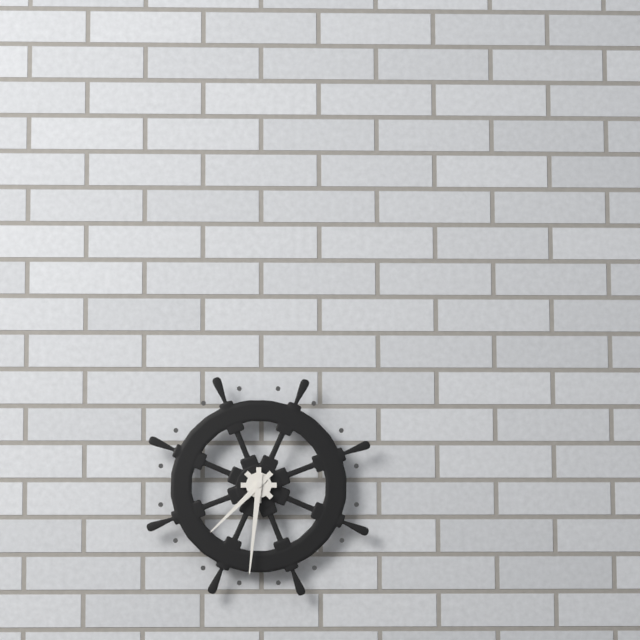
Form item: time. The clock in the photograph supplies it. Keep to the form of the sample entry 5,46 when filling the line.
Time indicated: 7,31
